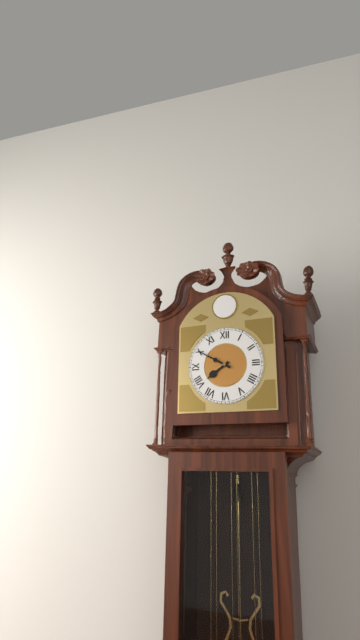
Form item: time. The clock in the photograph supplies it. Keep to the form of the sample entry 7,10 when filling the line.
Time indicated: 7,50
